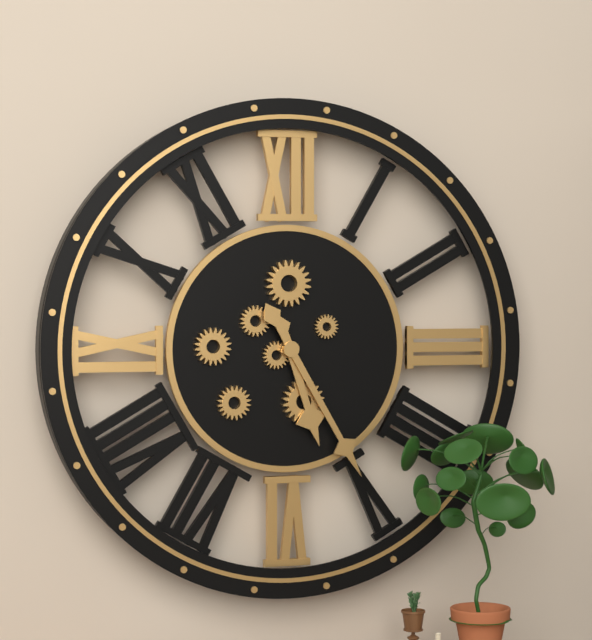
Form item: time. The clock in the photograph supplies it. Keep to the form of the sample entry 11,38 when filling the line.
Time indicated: 5,25
